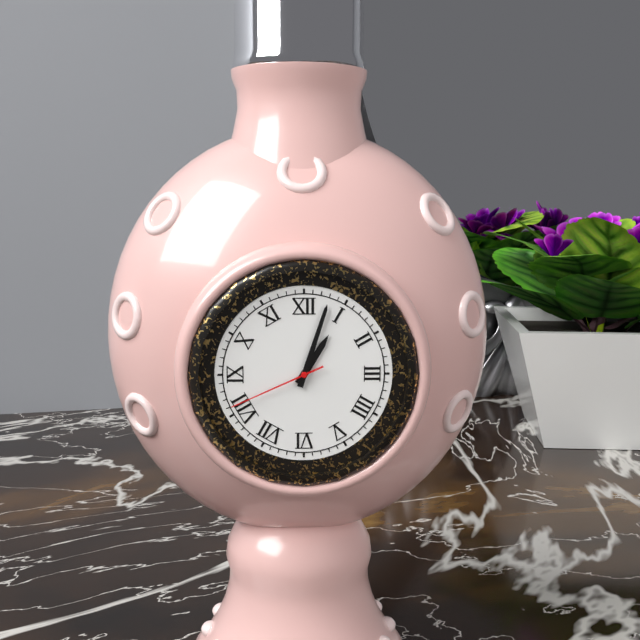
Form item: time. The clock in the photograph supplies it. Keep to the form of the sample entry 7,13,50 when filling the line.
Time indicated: 1,03,41
